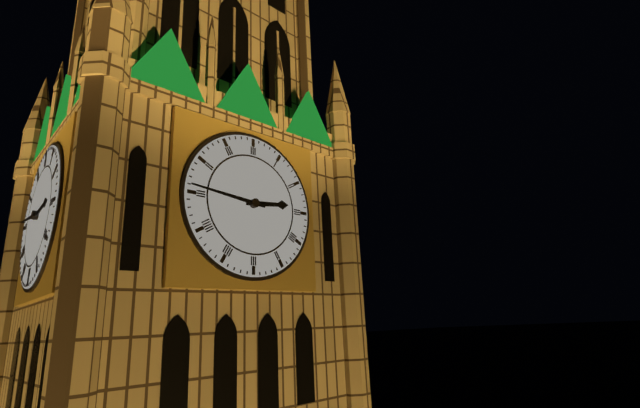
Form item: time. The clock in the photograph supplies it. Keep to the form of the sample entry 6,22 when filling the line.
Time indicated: 2,46
